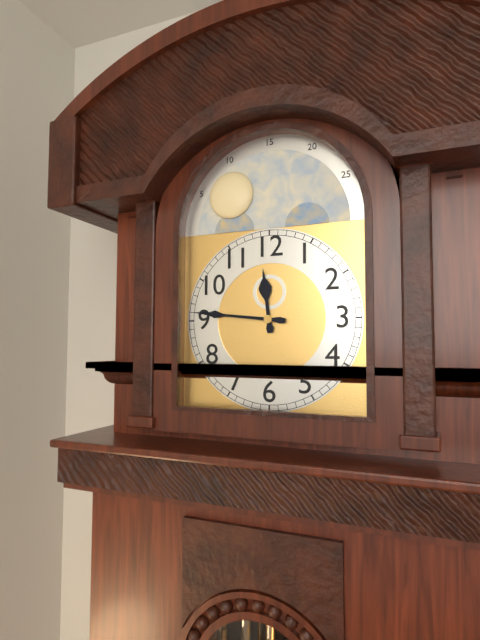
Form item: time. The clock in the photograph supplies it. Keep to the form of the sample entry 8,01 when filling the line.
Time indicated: 11,46
